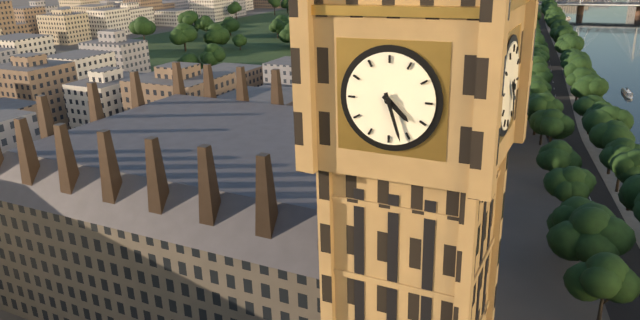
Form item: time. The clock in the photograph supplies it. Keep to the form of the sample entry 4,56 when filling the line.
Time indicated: 4,27
